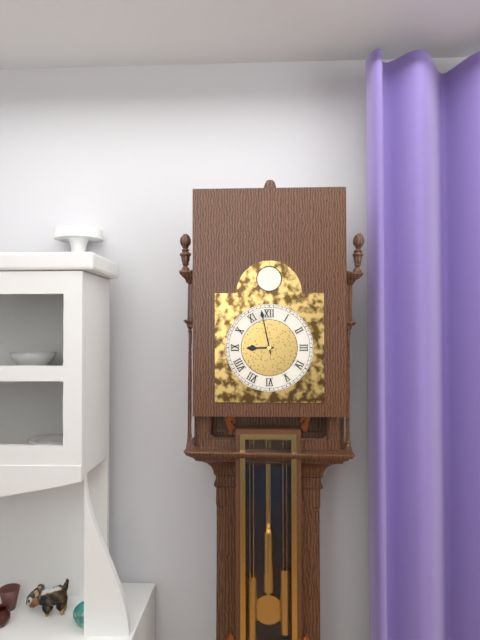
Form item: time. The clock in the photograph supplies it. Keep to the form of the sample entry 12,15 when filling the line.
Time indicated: 8,58
